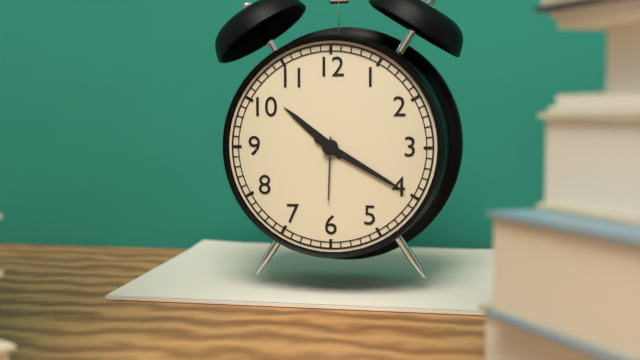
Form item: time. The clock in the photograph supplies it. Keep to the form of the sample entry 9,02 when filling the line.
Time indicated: 10,20
